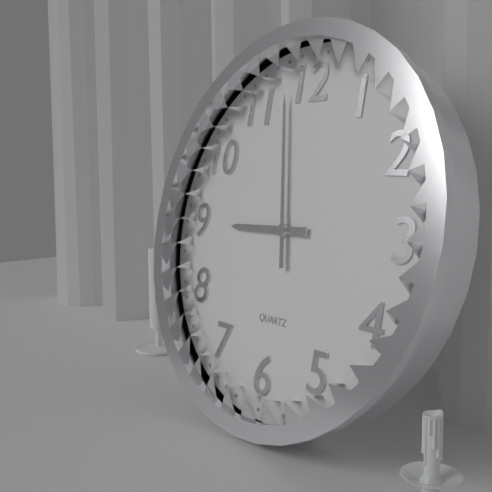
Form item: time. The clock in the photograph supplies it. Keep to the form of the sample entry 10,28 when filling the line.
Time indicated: 8,58
